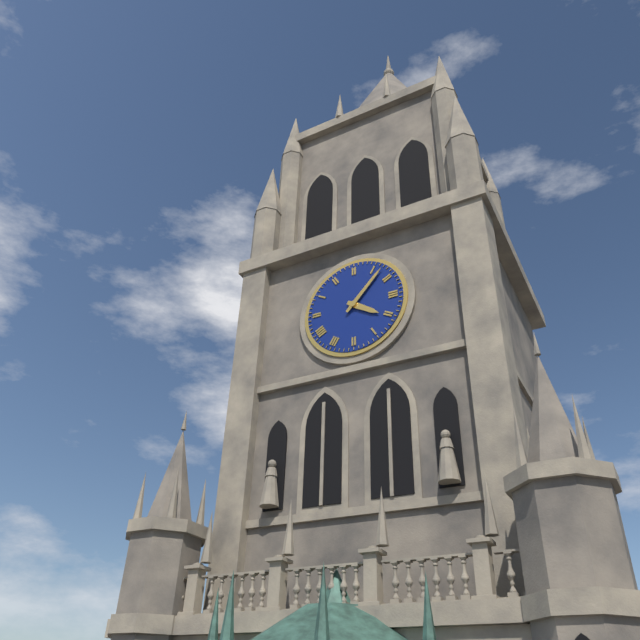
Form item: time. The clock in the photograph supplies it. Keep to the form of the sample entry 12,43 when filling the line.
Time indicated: 4,07
